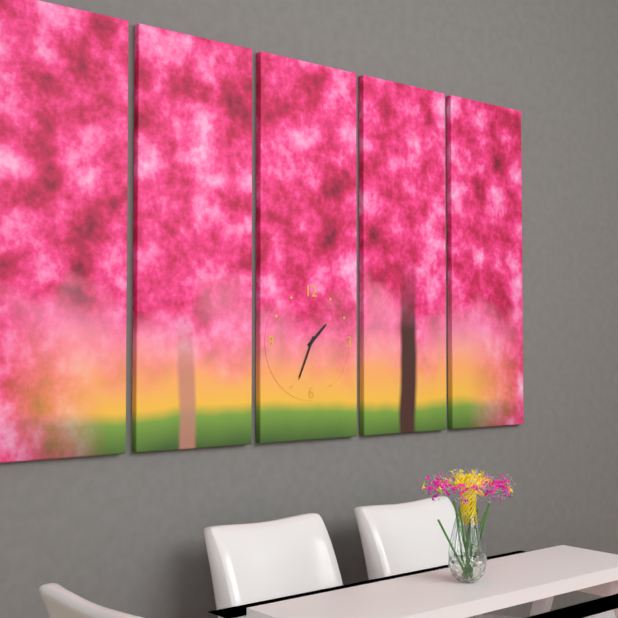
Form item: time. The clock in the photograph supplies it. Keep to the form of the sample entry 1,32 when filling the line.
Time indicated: 1,34
